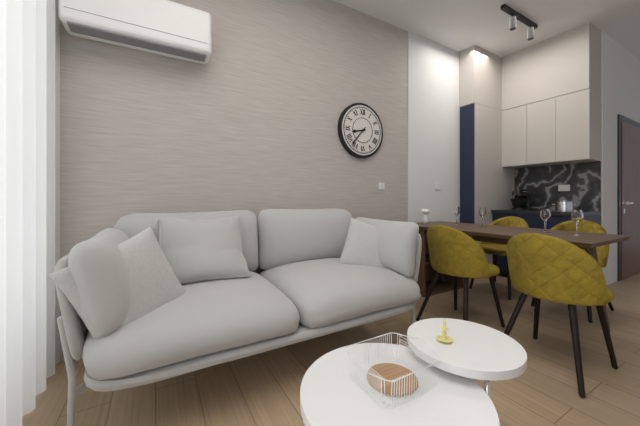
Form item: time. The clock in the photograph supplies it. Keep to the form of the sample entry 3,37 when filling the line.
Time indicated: 8,37
